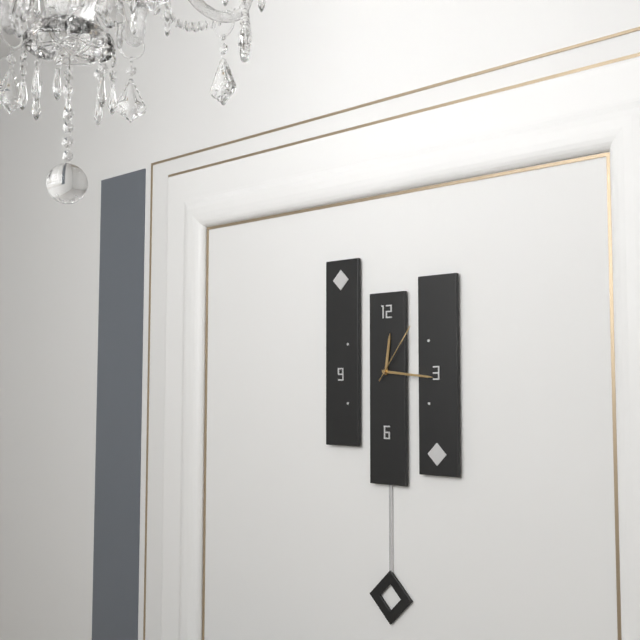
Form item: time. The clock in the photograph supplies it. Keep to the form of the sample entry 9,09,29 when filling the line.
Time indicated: 12,16,06
